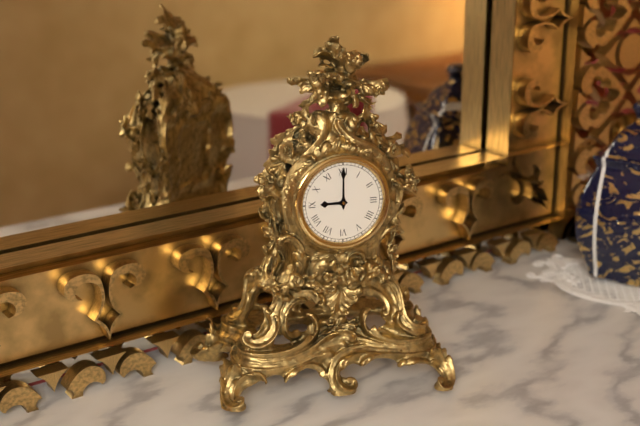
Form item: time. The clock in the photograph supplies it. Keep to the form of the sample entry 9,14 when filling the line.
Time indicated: 9,00
